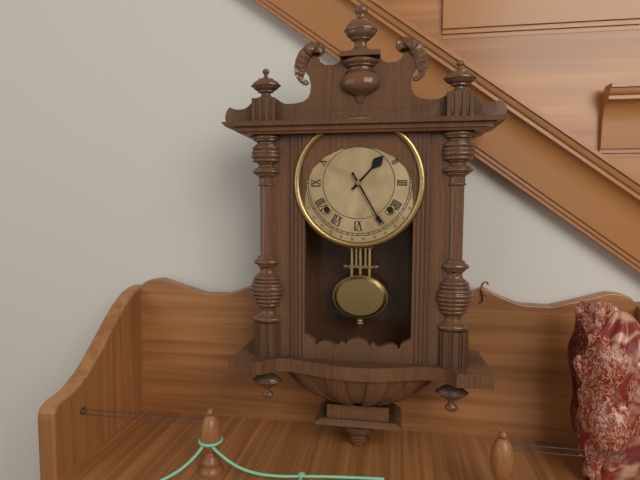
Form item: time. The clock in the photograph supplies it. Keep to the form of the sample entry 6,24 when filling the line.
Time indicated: 1,25
